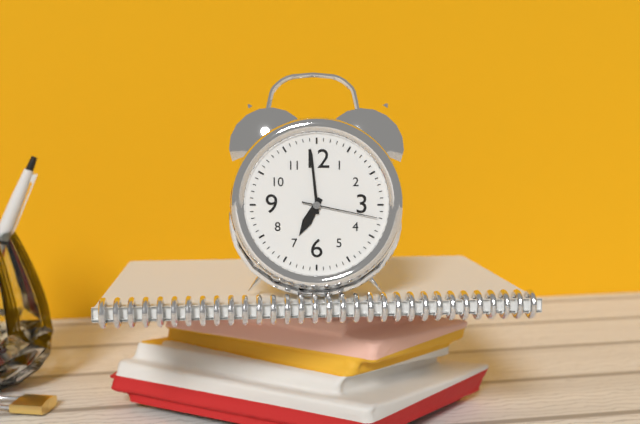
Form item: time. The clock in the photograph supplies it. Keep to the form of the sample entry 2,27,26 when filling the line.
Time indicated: 6,59,17
